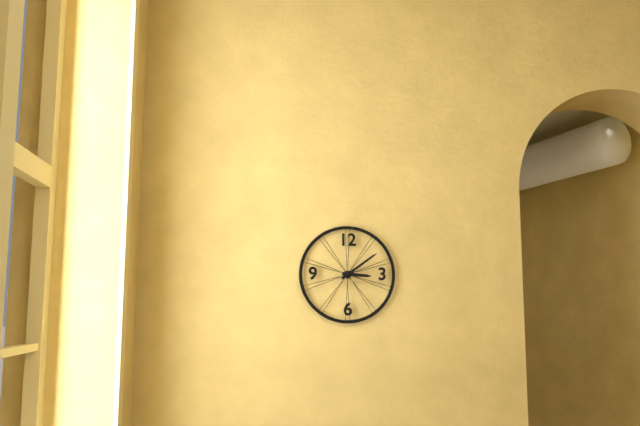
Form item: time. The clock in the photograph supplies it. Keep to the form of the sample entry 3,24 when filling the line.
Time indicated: 3,09
